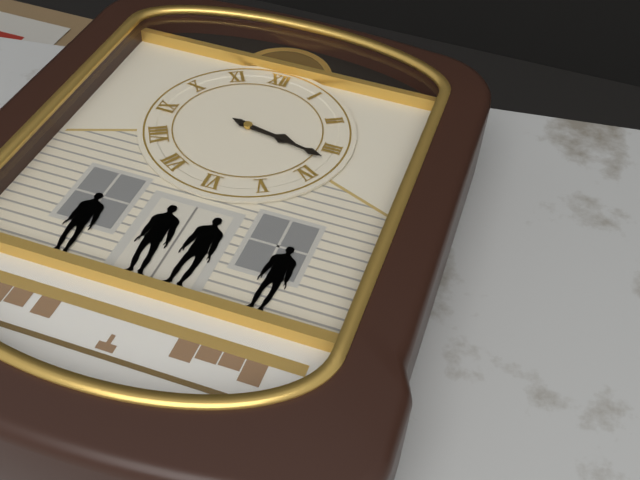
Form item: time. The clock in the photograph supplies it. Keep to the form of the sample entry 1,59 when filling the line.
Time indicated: 3,17
